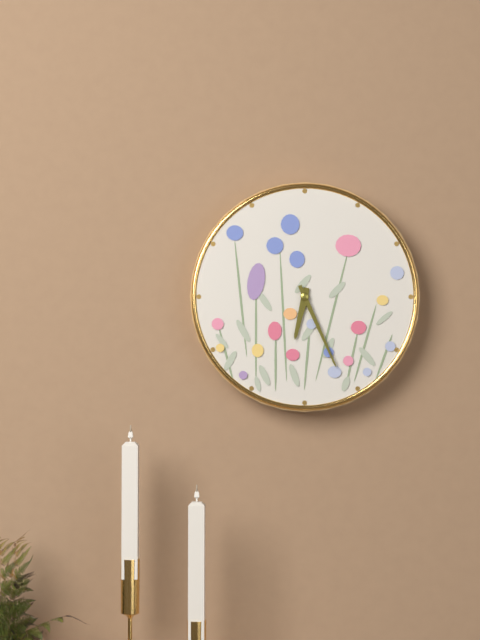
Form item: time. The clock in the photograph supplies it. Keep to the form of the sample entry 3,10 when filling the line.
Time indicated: 6,26
